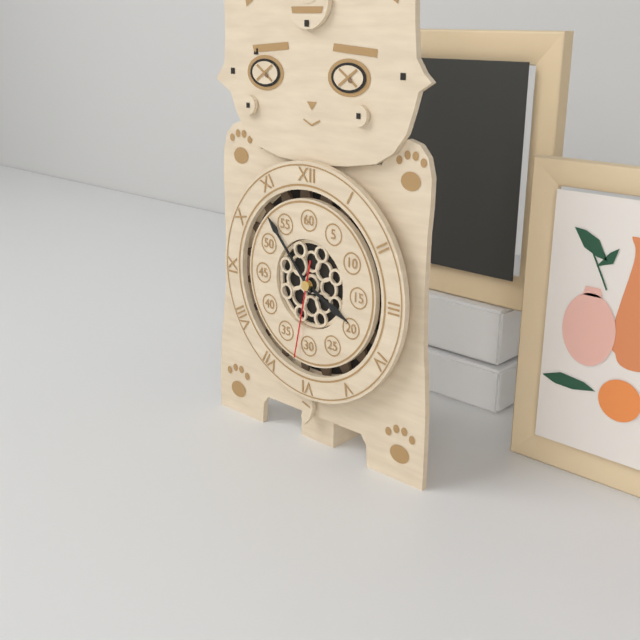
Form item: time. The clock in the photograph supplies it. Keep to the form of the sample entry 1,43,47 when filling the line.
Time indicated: 3,53,32
